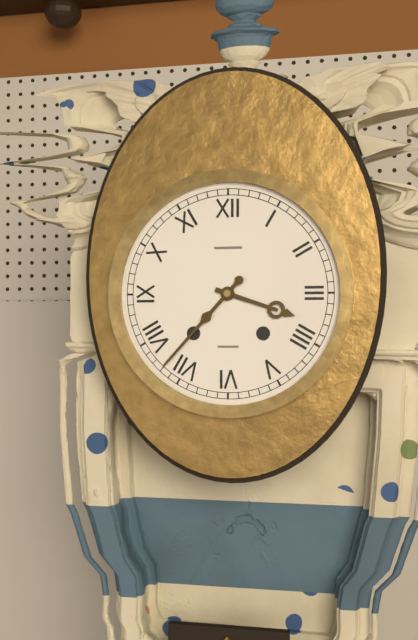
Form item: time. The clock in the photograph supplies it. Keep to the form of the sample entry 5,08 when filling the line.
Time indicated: 3,37
